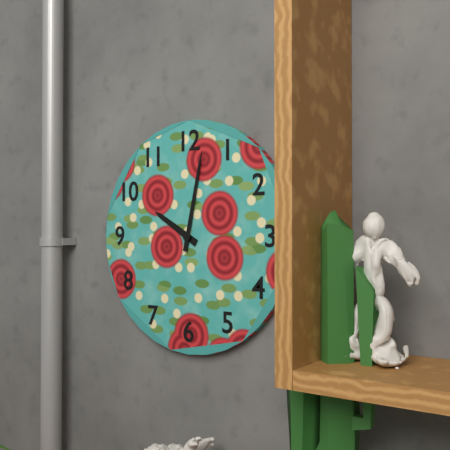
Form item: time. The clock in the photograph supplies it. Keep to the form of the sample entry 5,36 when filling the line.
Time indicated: 10,02
